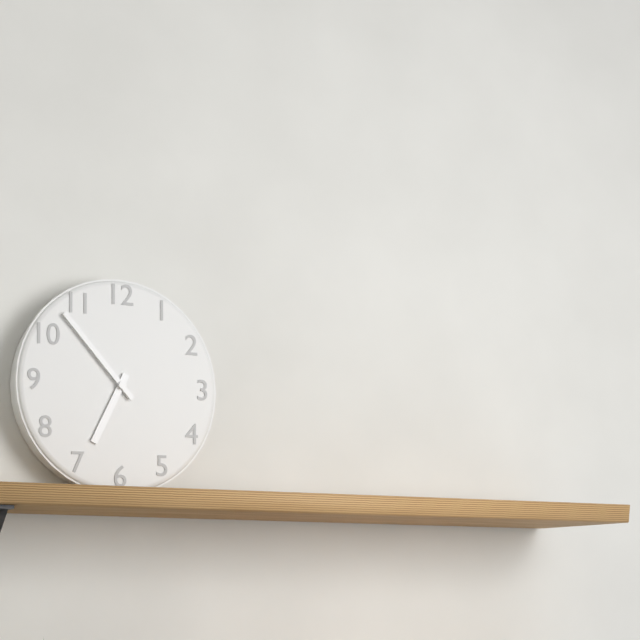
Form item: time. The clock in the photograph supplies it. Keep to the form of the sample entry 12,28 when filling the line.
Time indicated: 6,53
